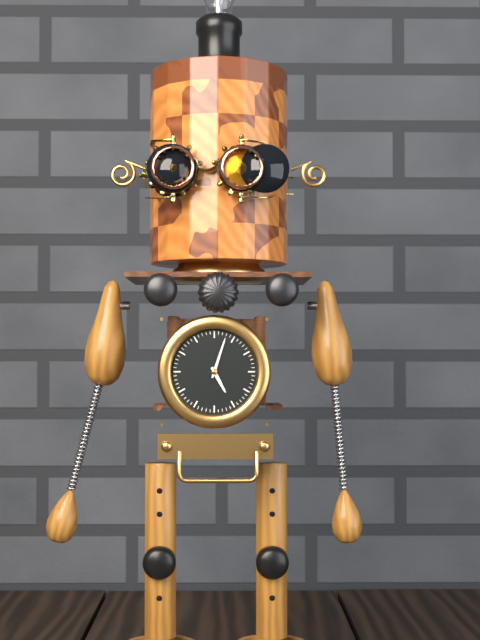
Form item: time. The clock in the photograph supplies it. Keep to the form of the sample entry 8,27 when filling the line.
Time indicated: 5,03
